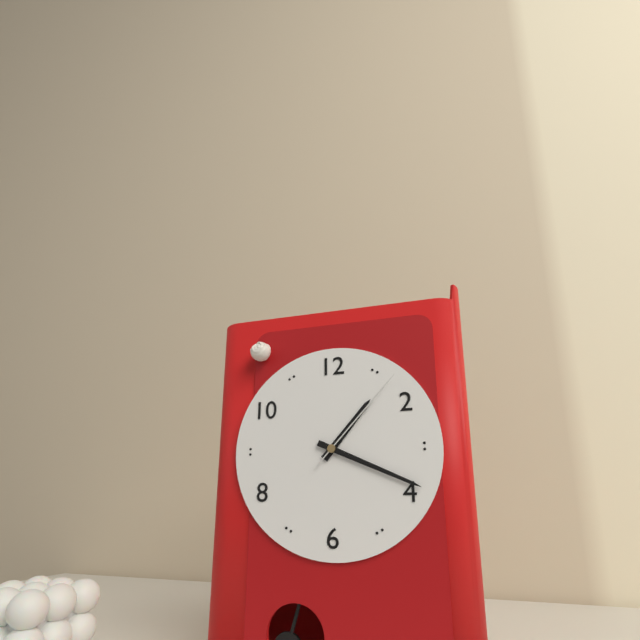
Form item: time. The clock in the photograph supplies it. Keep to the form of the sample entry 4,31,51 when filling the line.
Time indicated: 1,19,07
